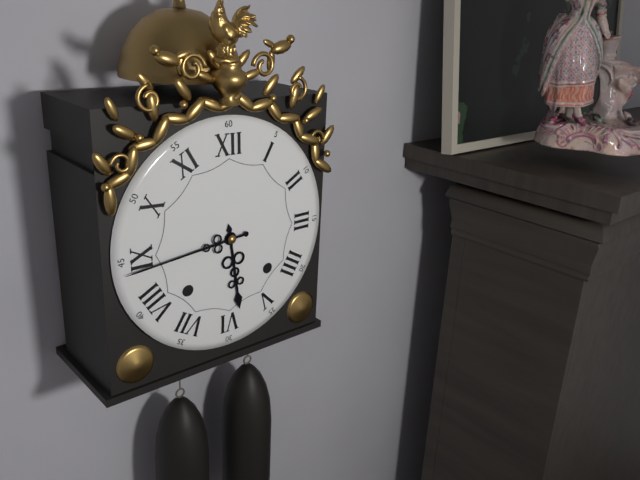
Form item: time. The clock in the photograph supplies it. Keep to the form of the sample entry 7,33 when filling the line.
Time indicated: 5,44
